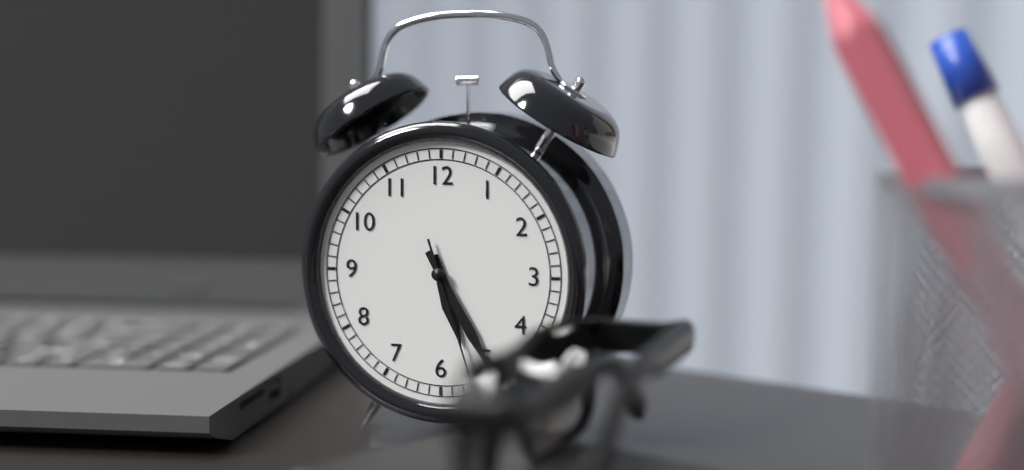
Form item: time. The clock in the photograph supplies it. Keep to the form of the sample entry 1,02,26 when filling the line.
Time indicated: 5,25,27
